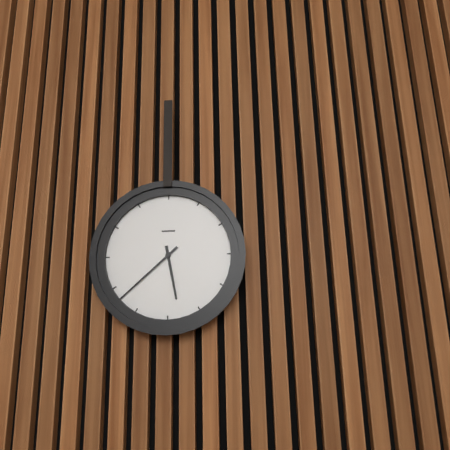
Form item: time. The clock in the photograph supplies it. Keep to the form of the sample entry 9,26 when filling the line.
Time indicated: 5,38
